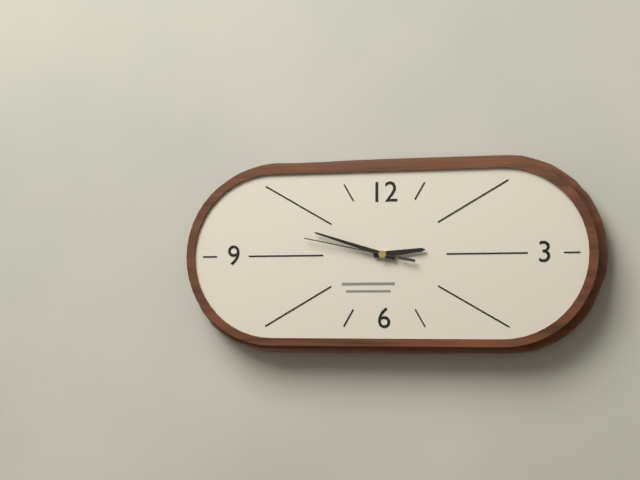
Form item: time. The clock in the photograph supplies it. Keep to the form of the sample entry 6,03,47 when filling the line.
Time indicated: 2,48,47
